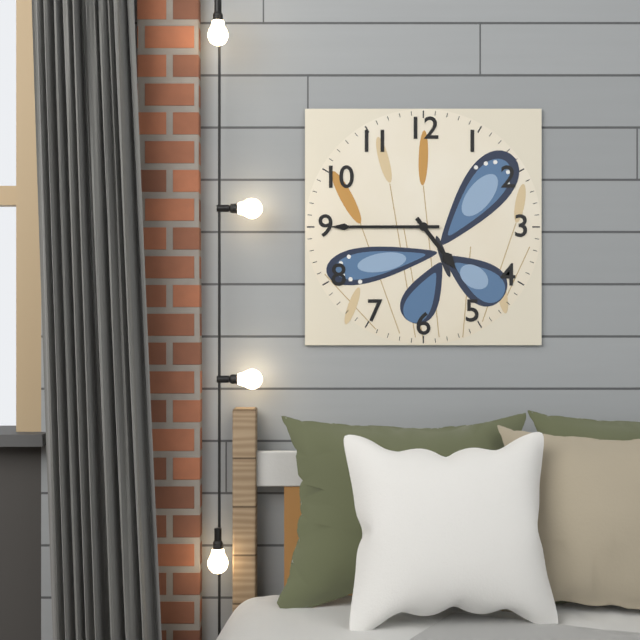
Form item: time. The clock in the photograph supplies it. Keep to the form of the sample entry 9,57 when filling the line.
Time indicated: 4,45
